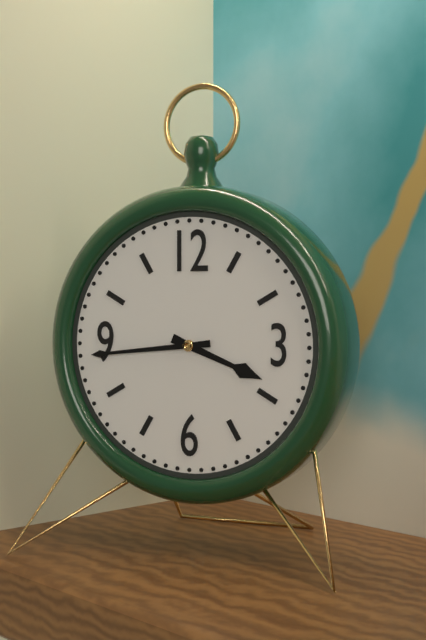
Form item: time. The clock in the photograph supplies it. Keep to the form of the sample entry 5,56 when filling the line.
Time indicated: 3,44
